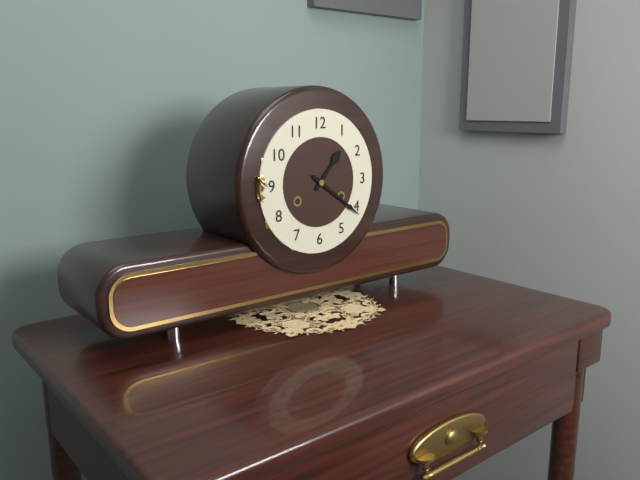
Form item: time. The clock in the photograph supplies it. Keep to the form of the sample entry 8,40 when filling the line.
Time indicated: 1,21
